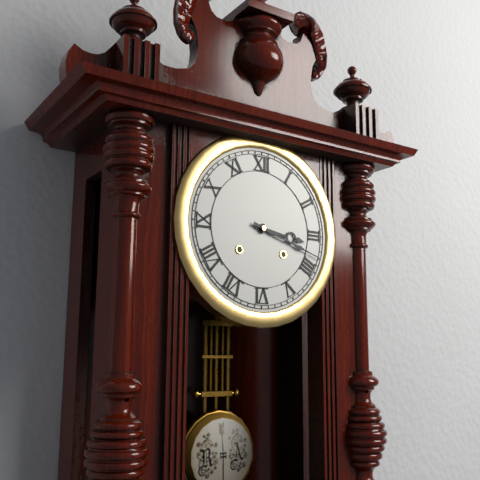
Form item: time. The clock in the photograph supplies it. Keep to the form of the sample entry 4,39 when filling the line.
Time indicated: 3,18
